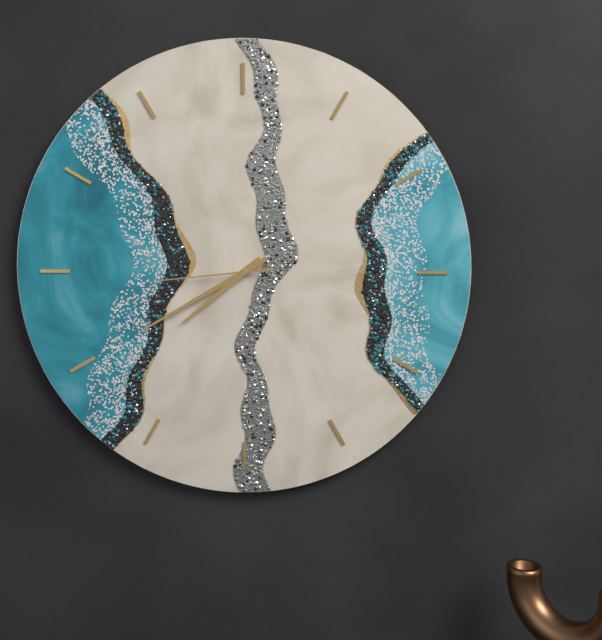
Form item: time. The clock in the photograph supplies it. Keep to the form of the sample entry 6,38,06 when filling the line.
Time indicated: 7,40,44
